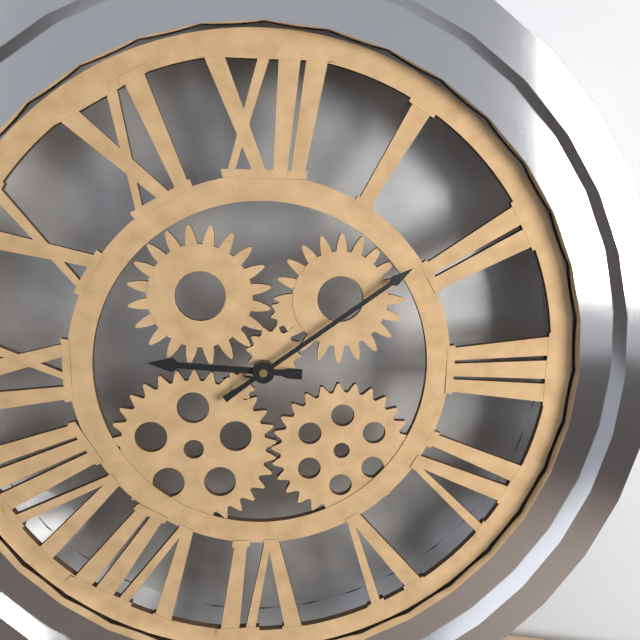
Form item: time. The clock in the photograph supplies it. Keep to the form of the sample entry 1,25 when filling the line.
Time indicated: 9,09
